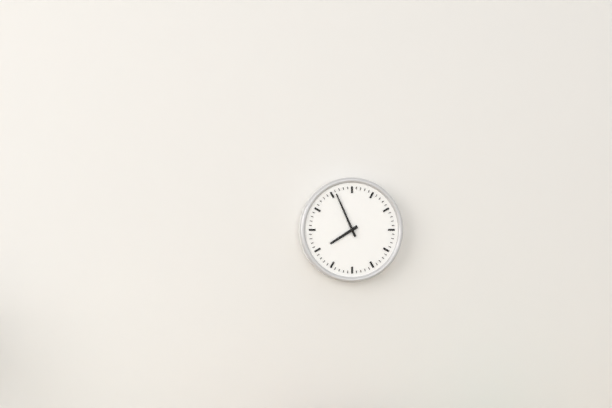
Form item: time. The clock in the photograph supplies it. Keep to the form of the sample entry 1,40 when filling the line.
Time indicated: 7,56
